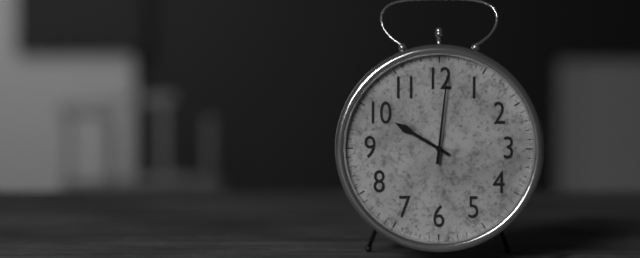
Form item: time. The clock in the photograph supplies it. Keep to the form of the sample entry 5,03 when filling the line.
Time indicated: 10,01
